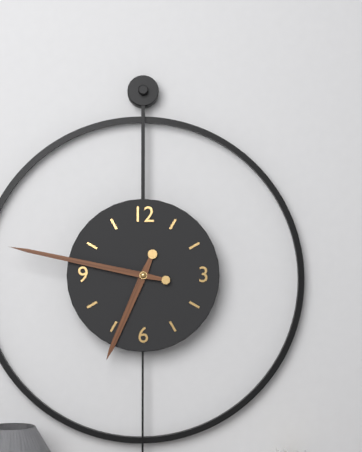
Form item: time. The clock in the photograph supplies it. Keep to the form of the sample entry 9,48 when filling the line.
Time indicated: 6,47
